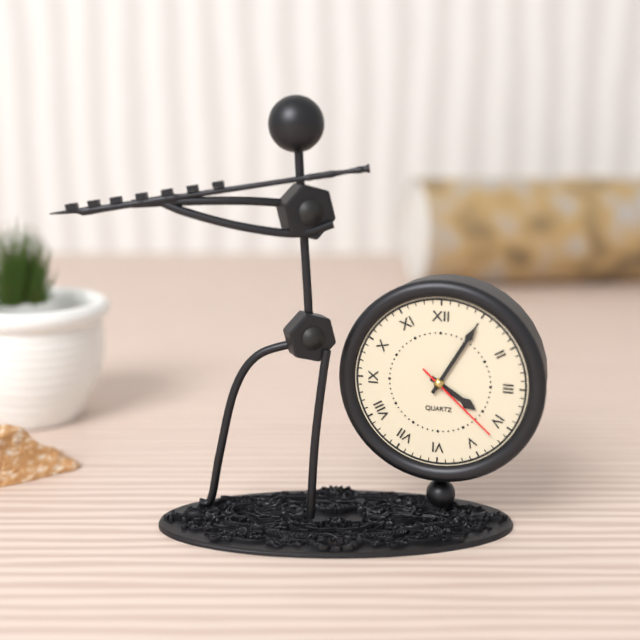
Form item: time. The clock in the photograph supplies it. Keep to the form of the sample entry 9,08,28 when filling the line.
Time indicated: 4,05,22
